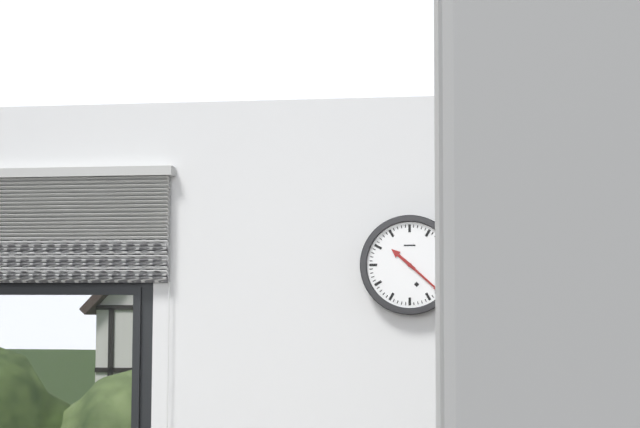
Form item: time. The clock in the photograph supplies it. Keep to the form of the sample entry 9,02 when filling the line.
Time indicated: 10,22
